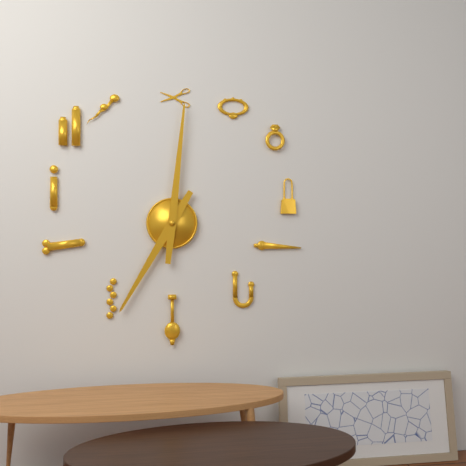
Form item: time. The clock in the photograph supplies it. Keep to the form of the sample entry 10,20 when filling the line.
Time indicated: 7,01
